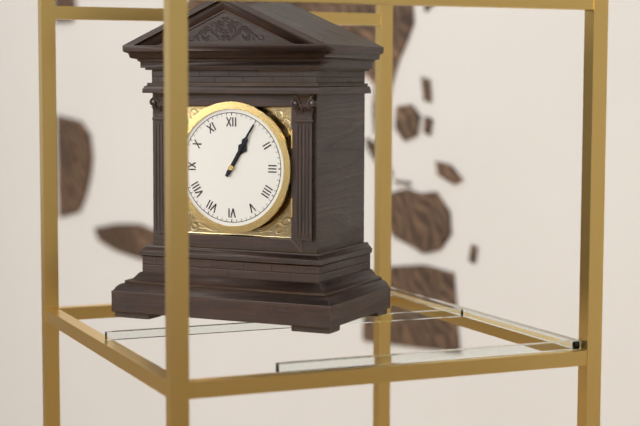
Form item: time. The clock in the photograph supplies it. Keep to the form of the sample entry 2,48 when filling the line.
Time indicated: 1,05
